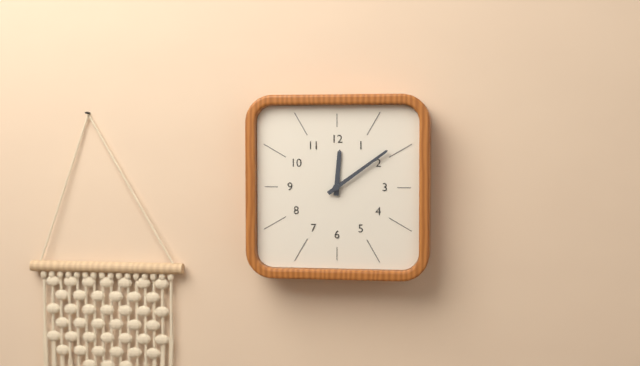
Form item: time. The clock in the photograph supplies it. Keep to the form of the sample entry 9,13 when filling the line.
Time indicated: 12,09
